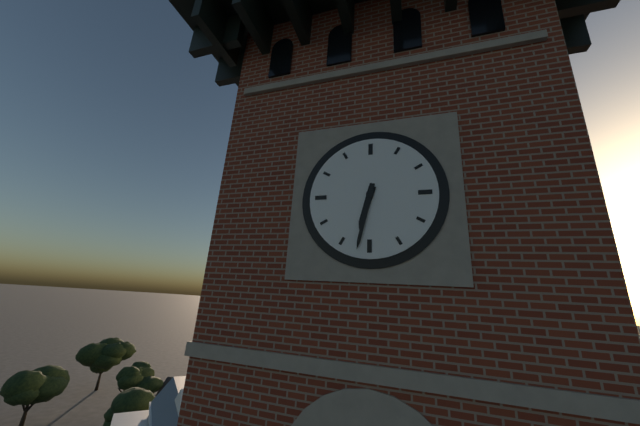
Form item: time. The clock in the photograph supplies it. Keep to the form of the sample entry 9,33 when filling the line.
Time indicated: 6,32
